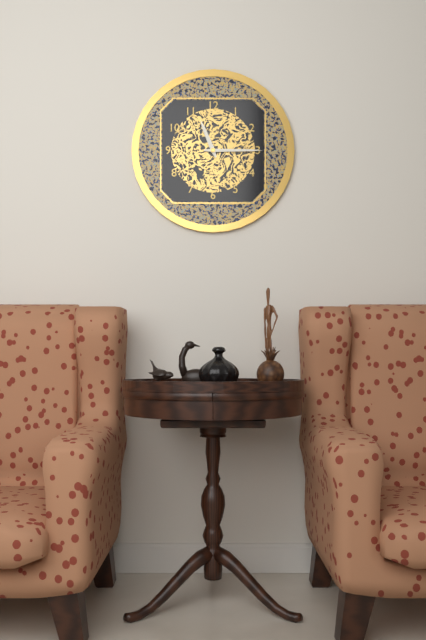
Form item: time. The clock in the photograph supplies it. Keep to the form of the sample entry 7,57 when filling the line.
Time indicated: 11,15
